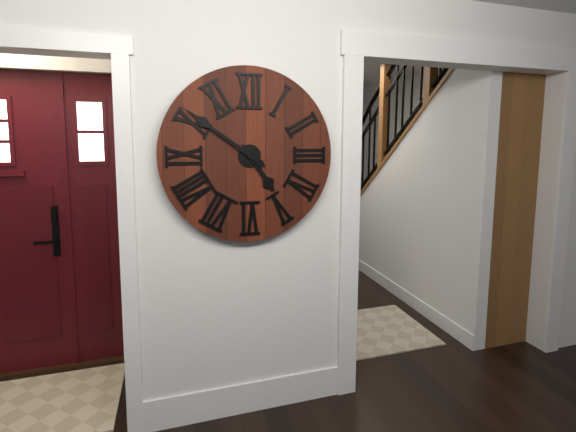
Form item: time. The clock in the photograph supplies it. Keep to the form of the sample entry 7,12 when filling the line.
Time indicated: 4,51
